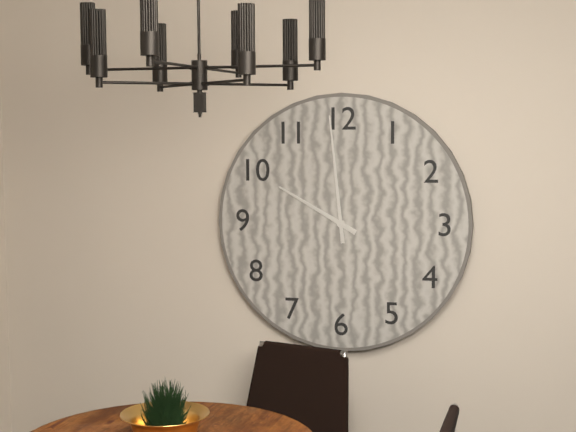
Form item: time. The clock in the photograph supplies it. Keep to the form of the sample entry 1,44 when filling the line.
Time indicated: 9,59
